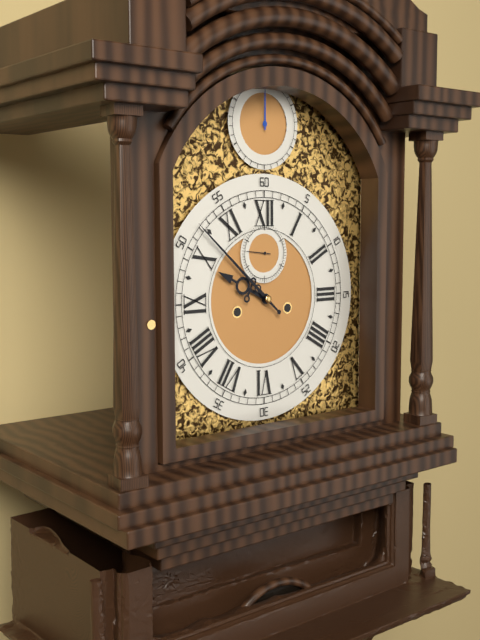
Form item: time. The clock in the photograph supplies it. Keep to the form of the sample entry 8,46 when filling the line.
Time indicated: 9,52
